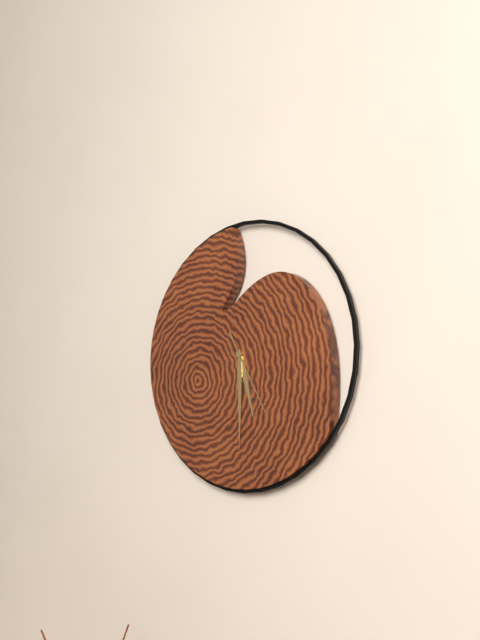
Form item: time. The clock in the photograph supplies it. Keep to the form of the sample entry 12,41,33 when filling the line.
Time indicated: 5,30,25
